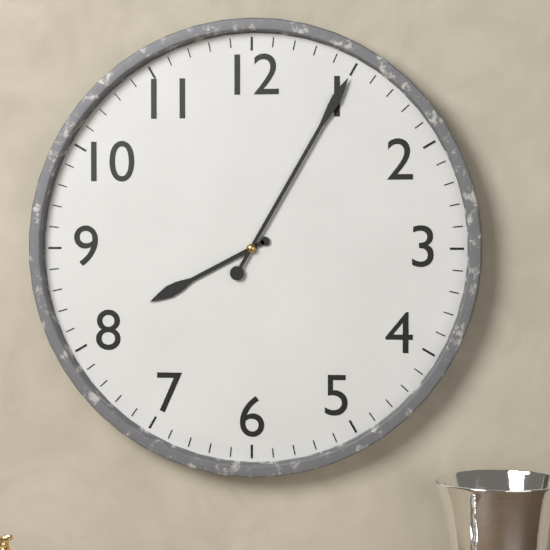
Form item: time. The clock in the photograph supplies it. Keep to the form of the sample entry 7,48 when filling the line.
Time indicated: 8,05
